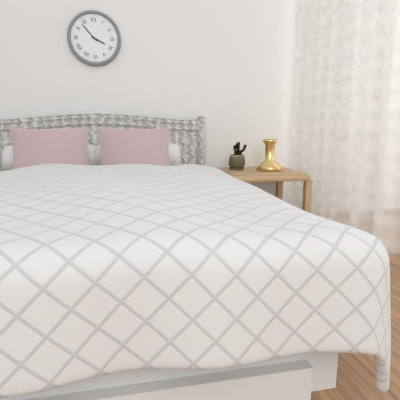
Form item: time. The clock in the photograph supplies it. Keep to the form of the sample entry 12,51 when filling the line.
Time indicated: 3,53
